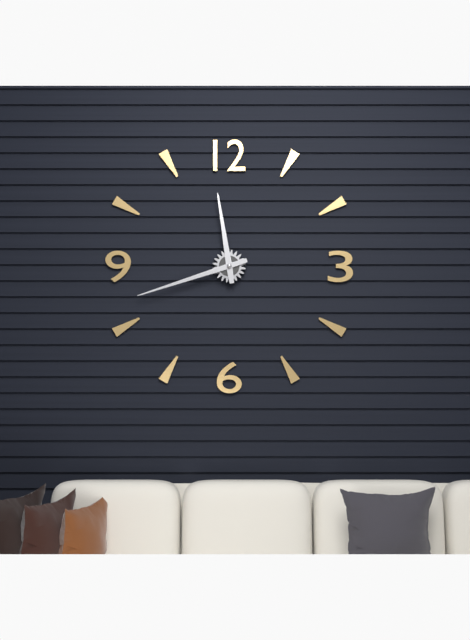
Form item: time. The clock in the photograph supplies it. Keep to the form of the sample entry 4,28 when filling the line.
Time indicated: 11,42
